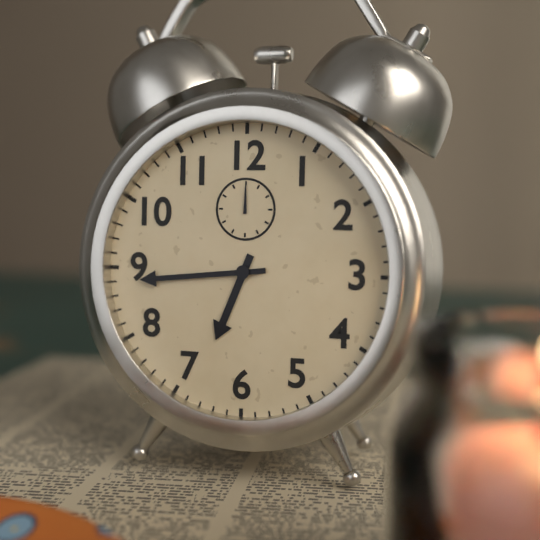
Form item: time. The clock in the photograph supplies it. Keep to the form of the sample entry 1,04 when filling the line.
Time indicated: 6,44
